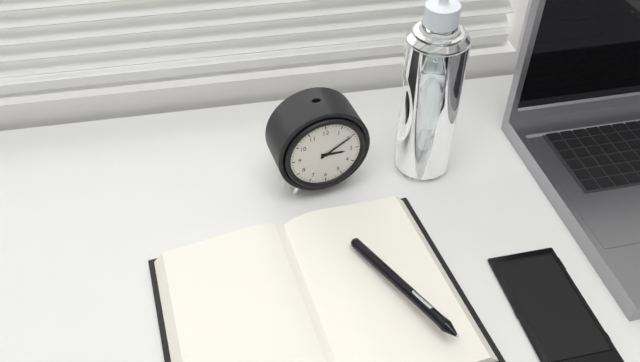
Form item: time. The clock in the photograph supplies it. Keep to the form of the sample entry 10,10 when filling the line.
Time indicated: 3,10
